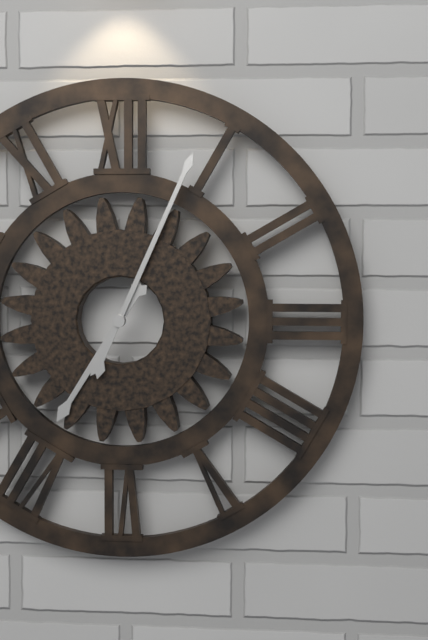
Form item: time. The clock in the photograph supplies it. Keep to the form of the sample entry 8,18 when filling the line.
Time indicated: 7,04
